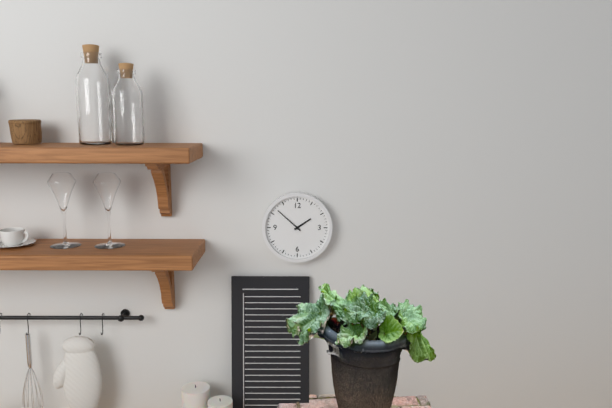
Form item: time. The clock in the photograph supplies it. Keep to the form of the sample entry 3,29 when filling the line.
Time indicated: 1,52
